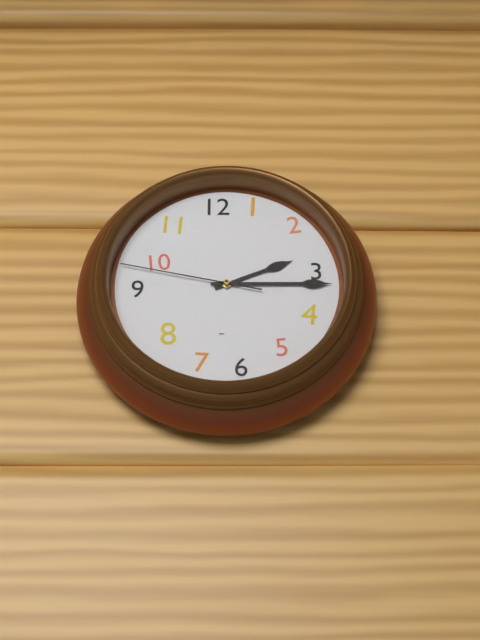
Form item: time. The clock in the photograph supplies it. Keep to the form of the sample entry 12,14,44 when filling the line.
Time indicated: 2,15,47
